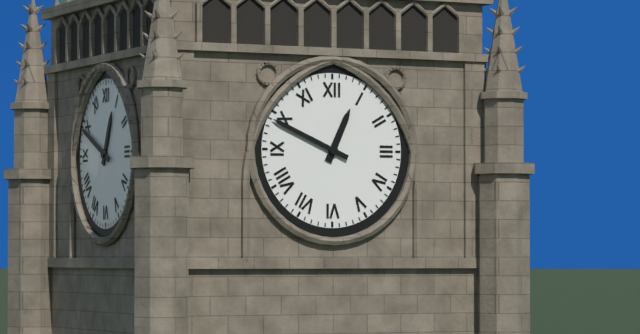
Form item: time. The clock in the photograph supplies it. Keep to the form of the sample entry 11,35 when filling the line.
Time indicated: 12,49
